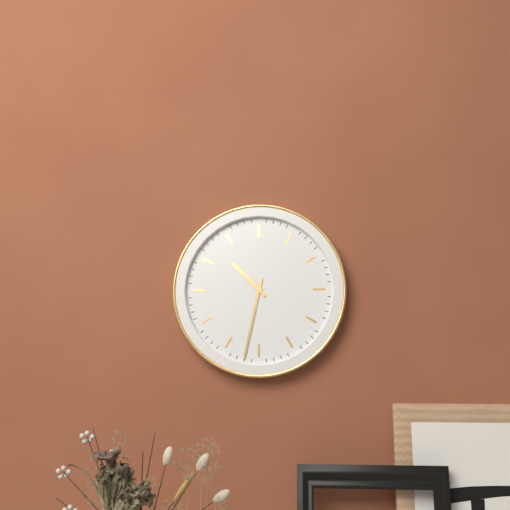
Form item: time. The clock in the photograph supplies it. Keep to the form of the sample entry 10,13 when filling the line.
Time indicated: 10,32
